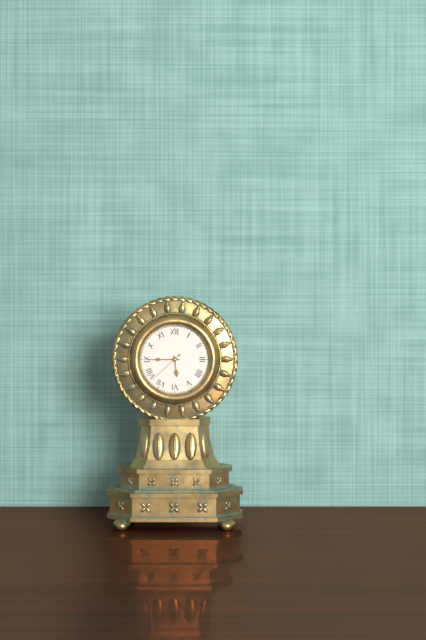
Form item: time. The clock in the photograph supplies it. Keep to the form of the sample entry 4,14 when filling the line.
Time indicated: 5,45
